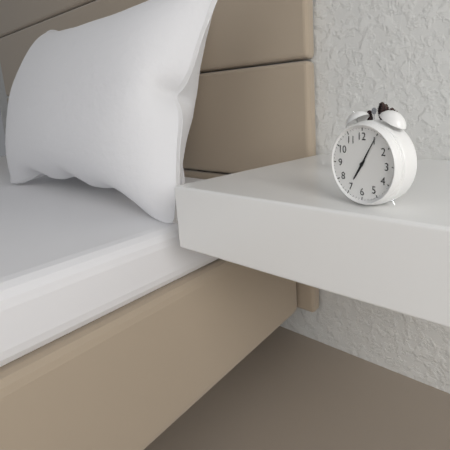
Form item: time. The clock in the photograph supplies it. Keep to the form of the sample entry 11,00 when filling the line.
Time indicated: 7,05
